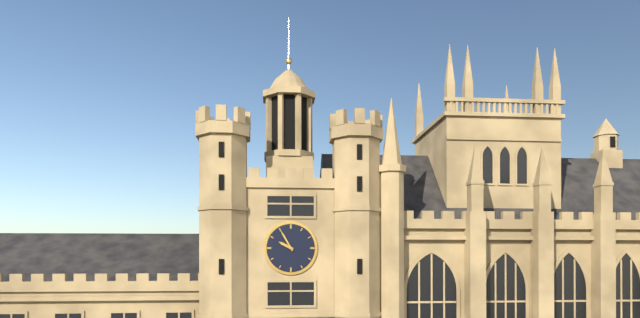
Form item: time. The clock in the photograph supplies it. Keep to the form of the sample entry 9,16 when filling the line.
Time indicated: 9,55
